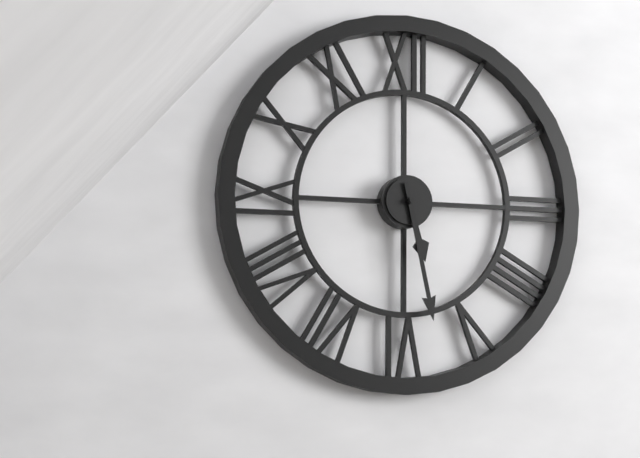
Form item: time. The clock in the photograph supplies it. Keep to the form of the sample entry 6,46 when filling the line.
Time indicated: 5,28
